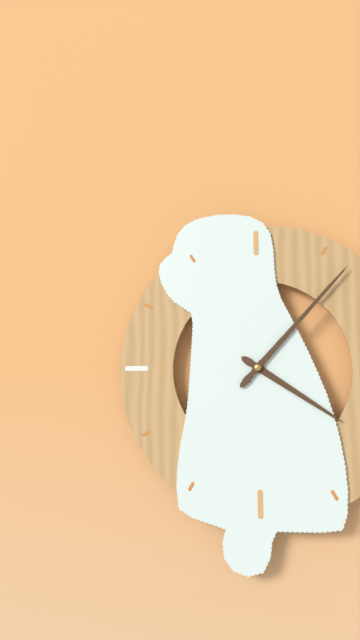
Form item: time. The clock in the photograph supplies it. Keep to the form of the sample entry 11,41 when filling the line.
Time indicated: 4,07
